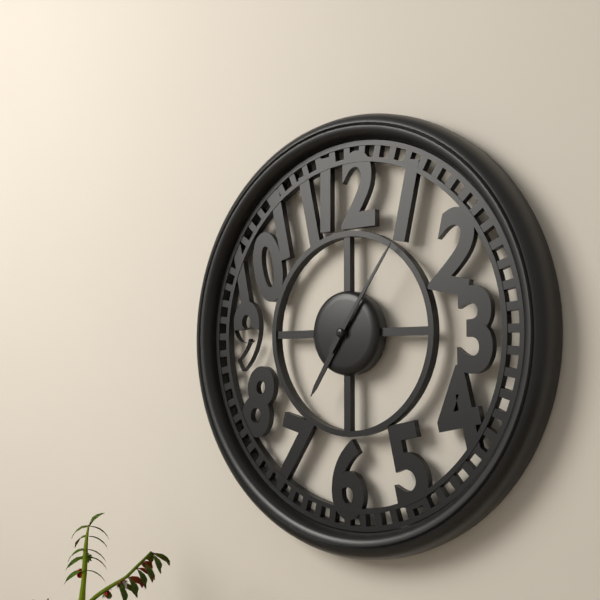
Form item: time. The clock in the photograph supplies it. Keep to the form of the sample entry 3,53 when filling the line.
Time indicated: 7,06
